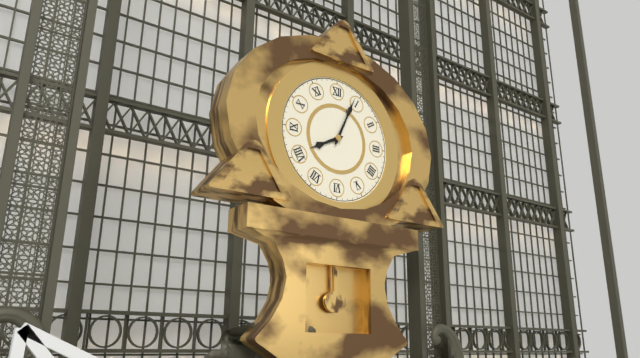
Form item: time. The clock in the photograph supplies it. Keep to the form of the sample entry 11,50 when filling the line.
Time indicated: 8,04
